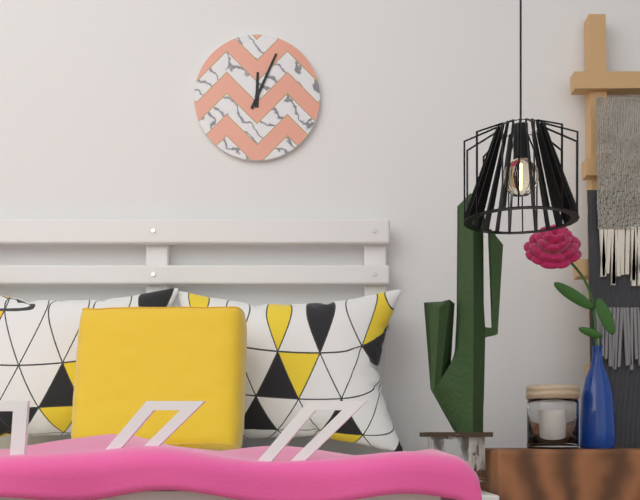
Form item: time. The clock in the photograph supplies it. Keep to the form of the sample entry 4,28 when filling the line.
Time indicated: 12,04
